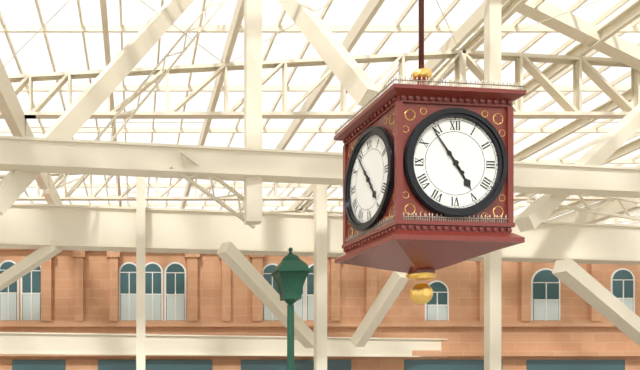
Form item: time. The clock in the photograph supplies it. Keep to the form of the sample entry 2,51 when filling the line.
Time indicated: 4,54
